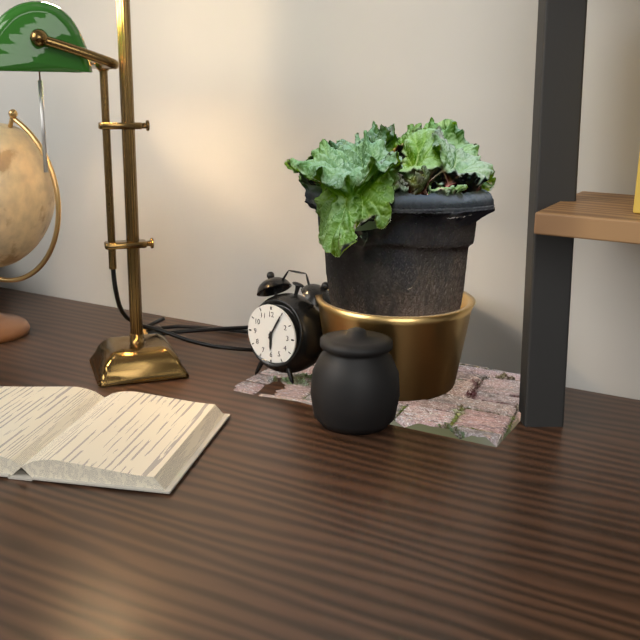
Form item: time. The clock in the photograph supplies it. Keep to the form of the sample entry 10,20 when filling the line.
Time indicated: 6,05
